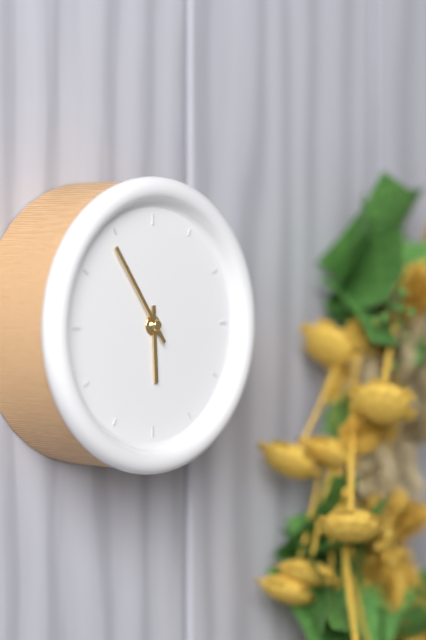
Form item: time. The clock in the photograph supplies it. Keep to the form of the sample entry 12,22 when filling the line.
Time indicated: 5,54
